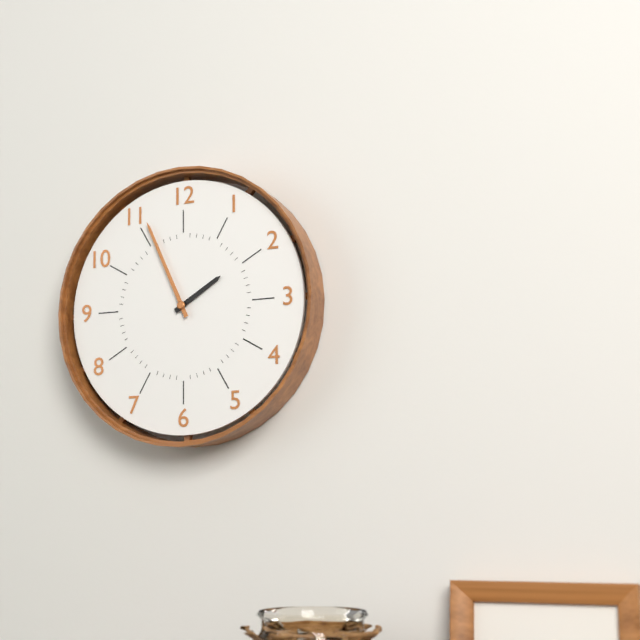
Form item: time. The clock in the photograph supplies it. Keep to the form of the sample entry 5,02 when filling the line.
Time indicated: 1,56
